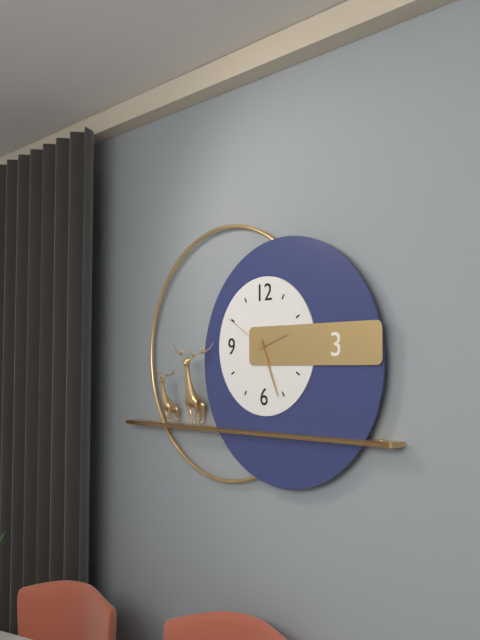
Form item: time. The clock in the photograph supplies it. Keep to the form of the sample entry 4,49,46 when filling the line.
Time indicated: 2,26,50
